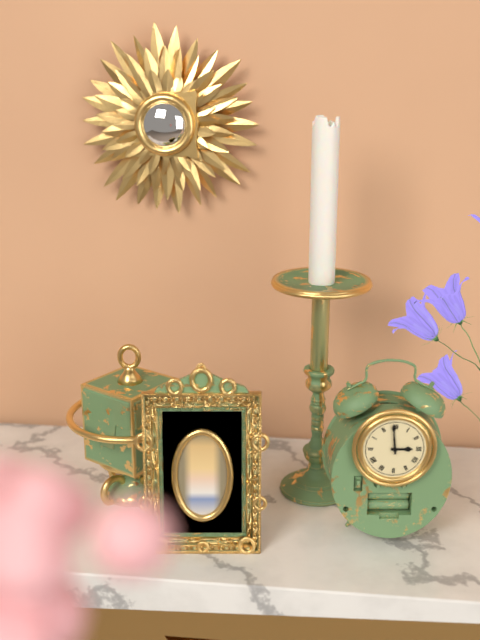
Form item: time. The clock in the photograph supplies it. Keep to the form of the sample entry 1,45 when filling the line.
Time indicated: 2,59
